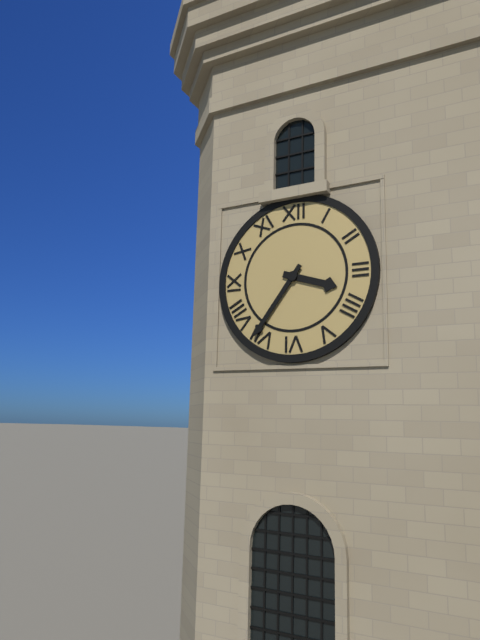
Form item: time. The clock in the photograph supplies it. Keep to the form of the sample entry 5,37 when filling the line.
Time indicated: 3,36
